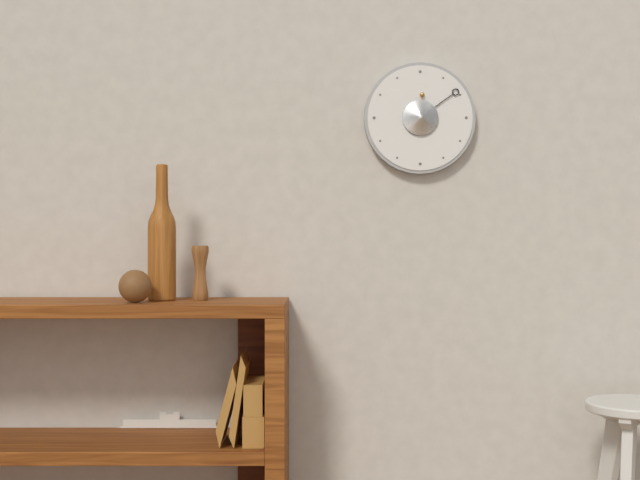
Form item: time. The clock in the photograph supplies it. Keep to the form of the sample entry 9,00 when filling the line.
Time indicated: 12,09
